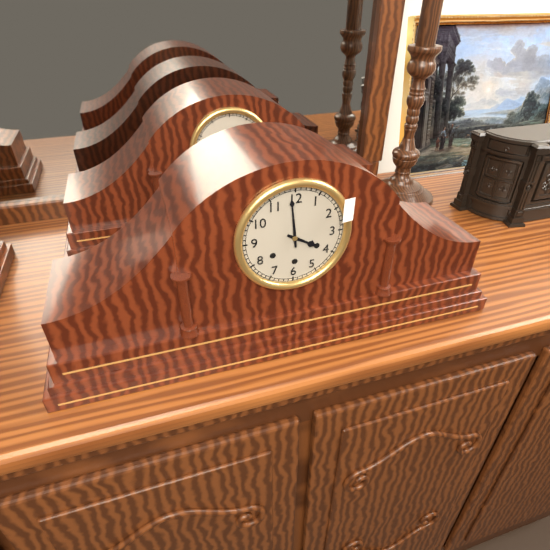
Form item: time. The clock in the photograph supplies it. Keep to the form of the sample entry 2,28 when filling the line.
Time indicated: 3,59
